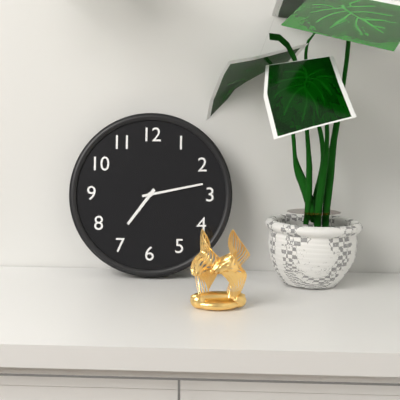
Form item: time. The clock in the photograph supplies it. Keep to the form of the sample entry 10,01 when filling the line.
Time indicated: 7,13
